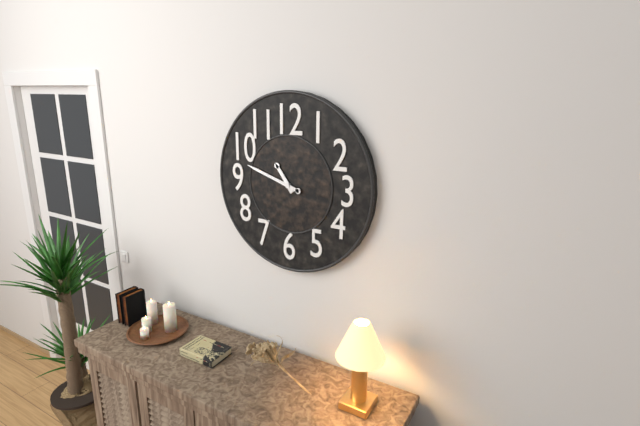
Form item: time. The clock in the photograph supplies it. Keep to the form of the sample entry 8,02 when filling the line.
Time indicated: 10,48
